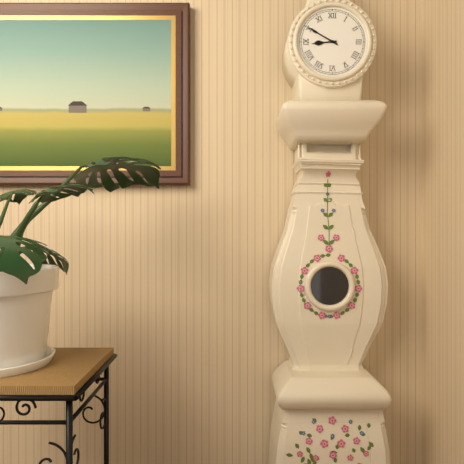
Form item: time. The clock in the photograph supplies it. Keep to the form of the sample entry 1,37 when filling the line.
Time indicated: 8,50
